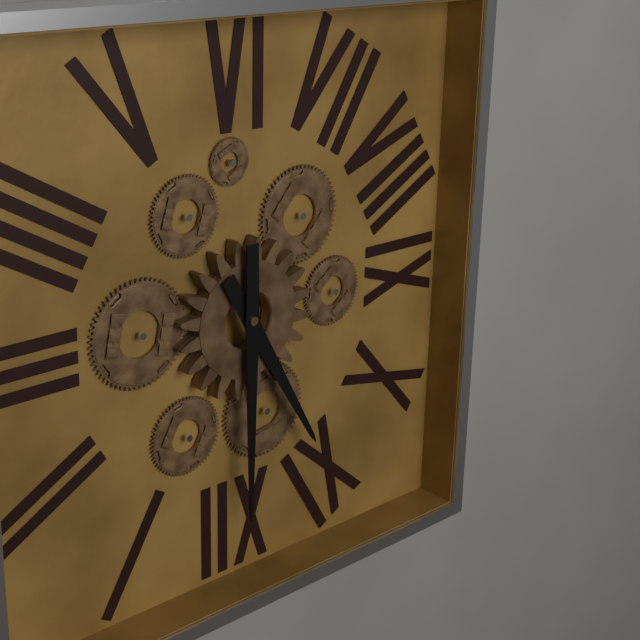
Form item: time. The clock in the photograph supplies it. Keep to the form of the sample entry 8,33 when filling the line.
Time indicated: 11,00
